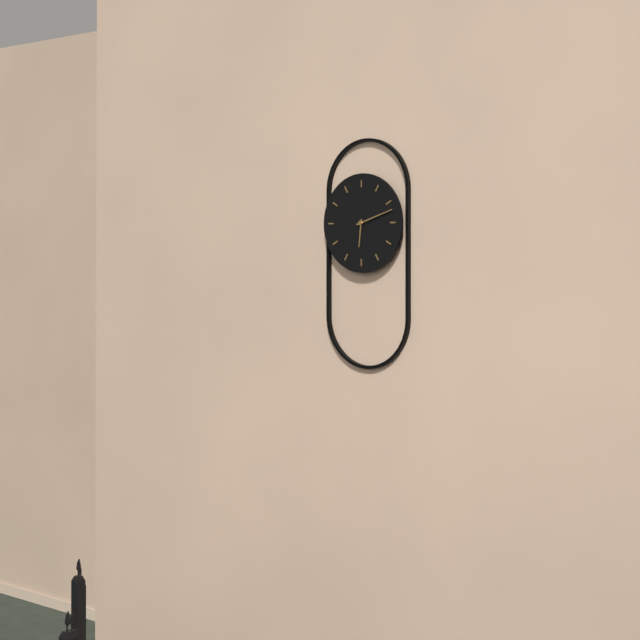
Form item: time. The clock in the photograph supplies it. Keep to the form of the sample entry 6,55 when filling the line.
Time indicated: 6,12
